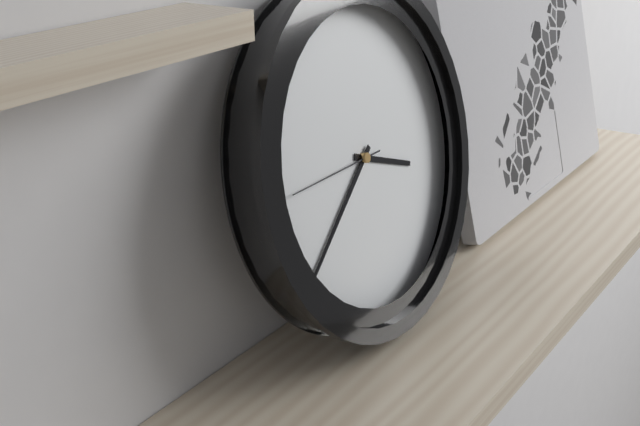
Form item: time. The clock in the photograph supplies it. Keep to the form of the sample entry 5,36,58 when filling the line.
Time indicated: 3,39,45
